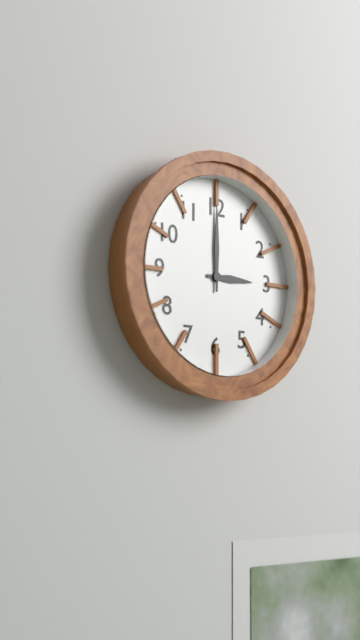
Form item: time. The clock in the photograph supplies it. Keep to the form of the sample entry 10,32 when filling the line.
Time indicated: 3,00
